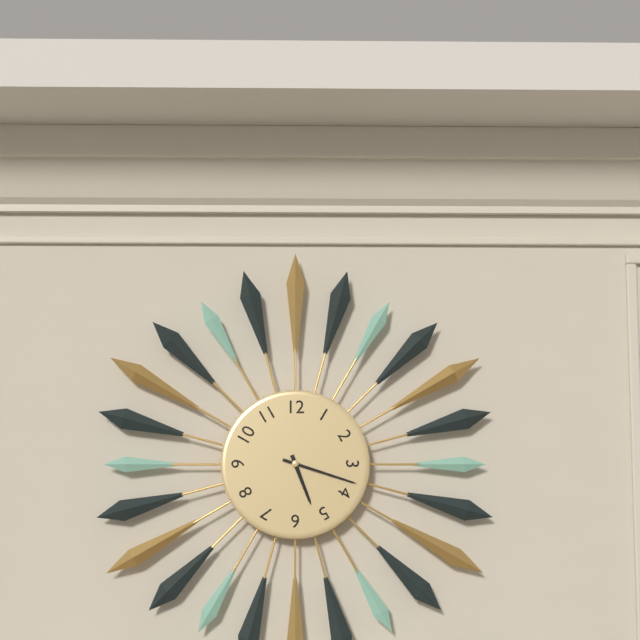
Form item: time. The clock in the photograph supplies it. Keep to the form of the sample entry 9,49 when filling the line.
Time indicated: 5,18
